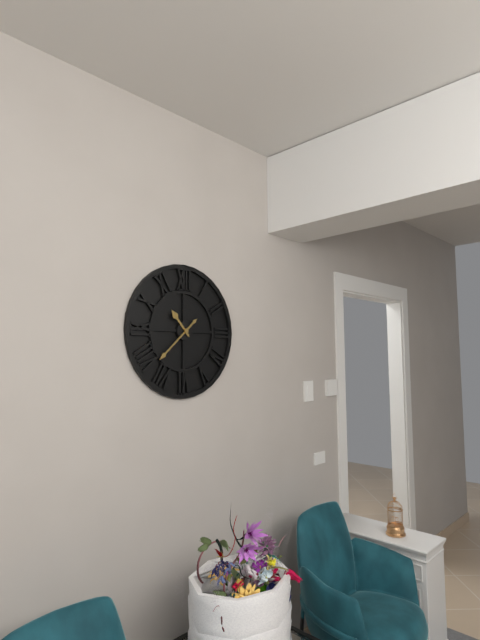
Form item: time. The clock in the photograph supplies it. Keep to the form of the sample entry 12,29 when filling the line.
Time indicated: 10,38
